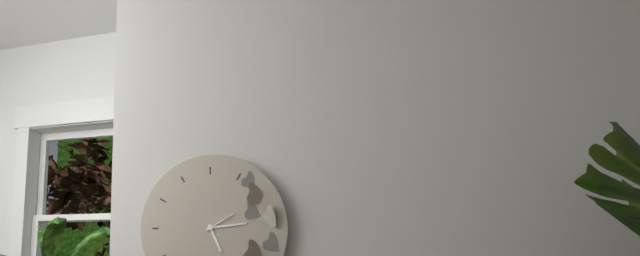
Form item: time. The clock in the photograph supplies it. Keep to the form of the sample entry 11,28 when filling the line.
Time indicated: 5,14
